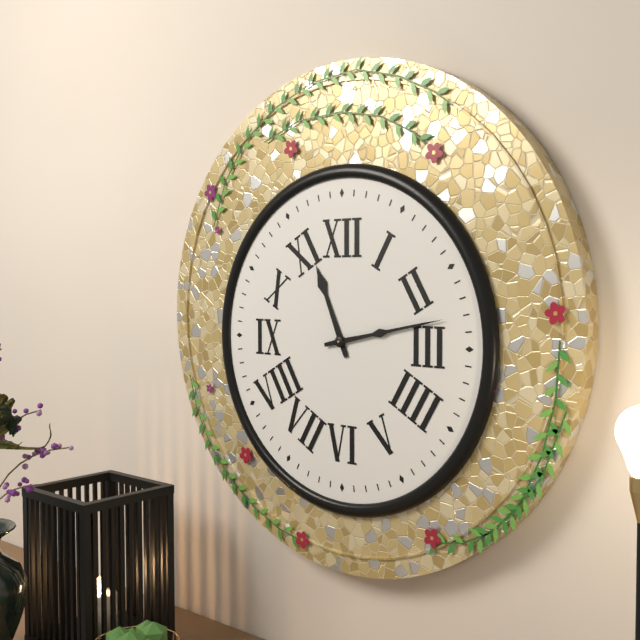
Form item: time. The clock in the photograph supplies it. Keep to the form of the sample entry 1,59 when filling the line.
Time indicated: 11,13
